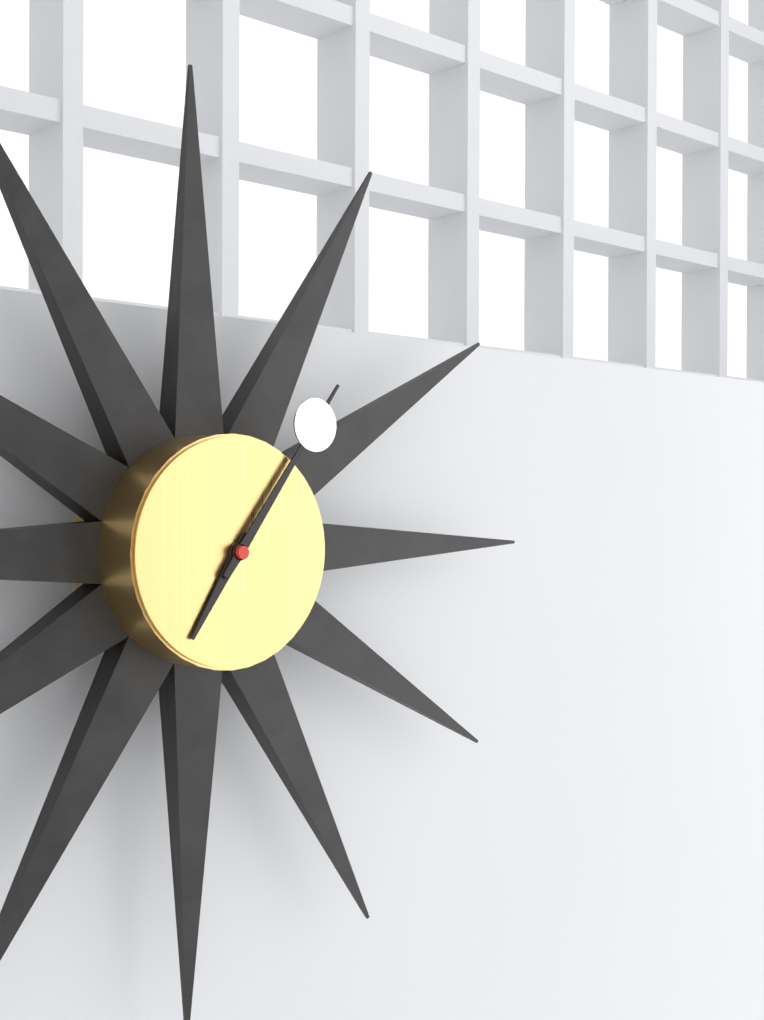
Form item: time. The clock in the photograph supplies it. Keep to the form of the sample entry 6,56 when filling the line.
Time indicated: 7,06
